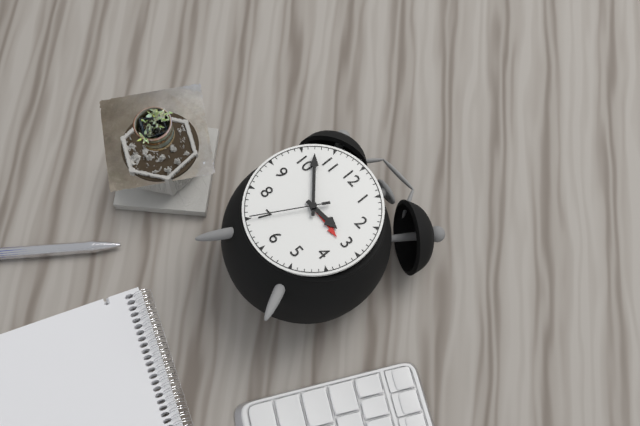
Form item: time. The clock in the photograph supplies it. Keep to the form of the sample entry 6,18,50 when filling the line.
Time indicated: 2,52,35
